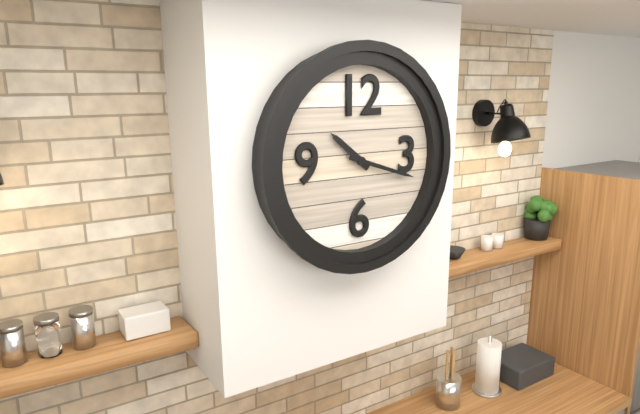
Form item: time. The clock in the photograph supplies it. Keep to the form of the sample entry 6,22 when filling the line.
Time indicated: 10,18
